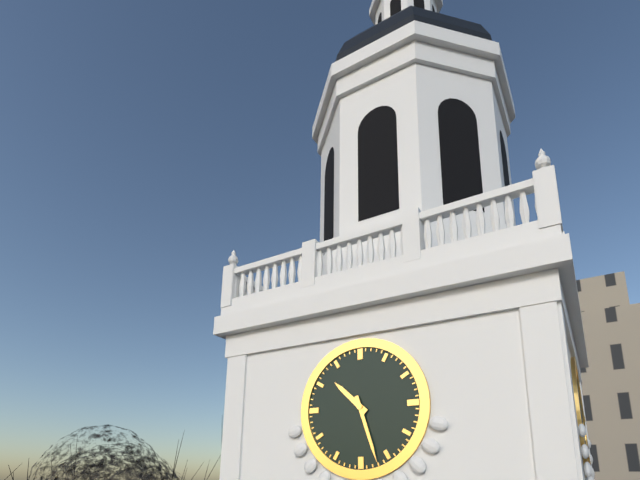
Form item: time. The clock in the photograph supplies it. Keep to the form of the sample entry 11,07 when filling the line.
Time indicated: 10,27
